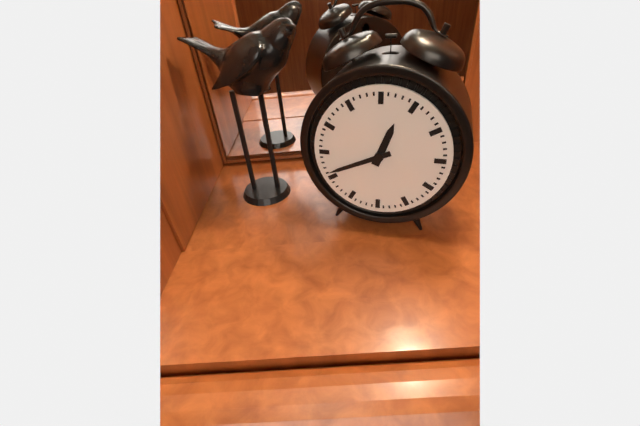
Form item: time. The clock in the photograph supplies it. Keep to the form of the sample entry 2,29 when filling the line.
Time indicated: 12,41
